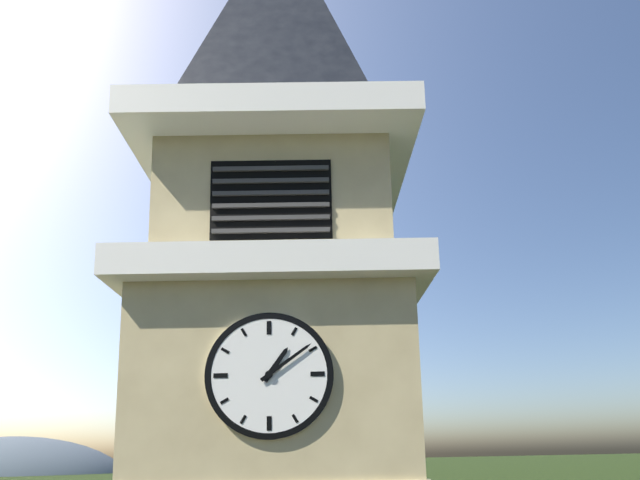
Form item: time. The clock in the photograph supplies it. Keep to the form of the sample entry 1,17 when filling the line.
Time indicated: 1,09
